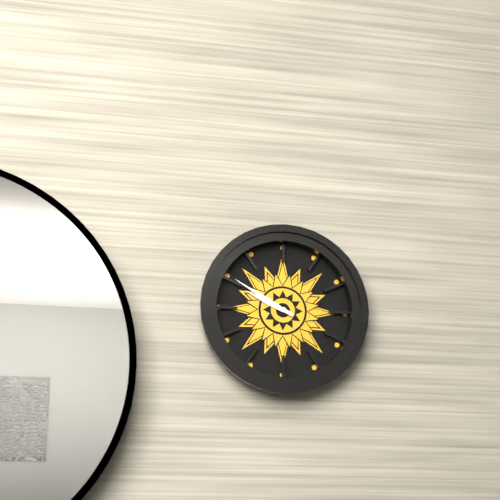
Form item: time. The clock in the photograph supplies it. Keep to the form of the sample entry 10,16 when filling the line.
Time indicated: 9,50
